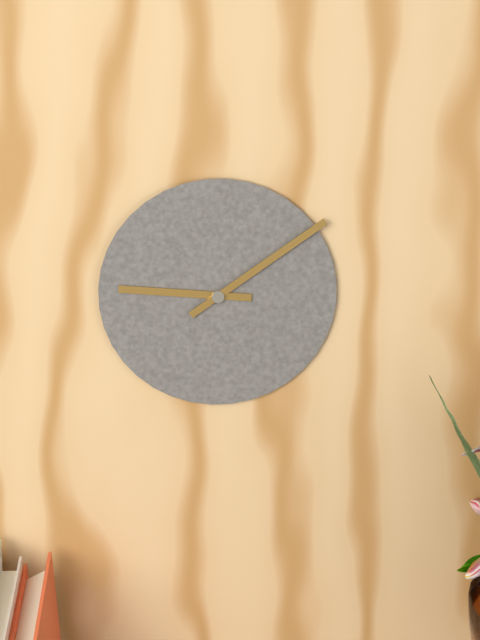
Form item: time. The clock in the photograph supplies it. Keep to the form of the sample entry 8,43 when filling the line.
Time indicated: 9,09
